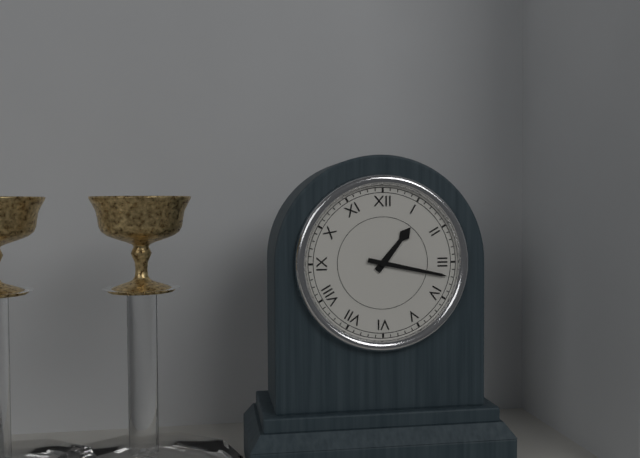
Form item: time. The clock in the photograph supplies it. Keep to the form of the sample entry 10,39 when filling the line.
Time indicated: 1,17
